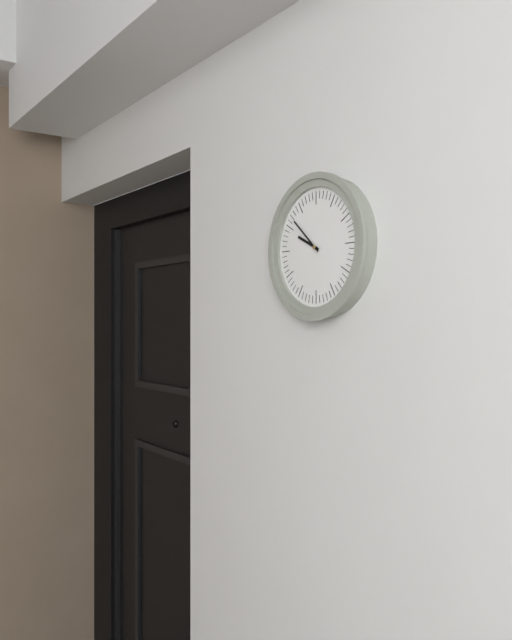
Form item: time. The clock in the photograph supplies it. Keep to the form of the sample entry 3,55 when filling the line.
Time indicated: 9,52
